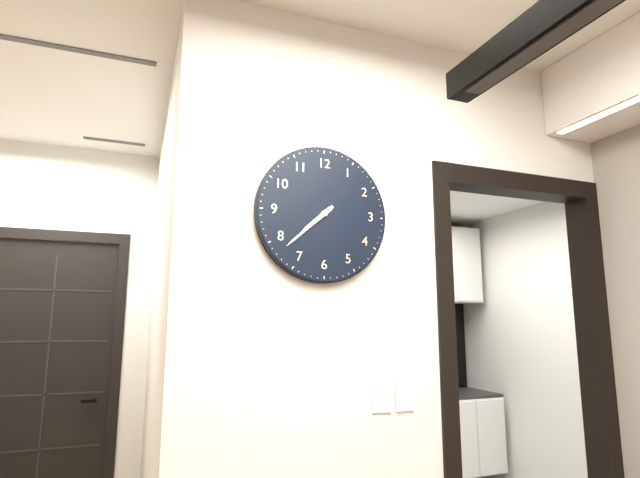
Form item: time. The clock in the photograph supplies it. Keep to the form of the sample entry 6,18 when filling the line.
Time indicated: 7,38
